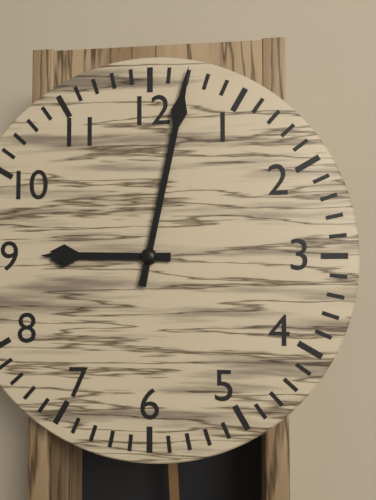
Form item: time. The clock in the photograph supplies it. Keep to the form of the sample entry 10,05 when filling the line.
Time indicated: 9,02
